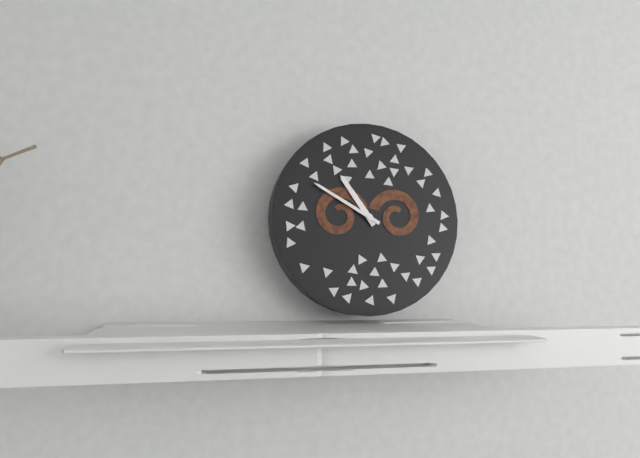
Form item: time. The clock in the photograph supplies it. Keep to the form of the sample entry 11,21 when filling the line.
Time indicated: 10,50
